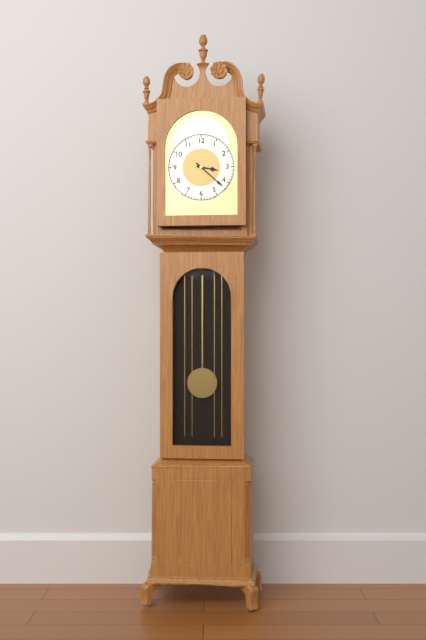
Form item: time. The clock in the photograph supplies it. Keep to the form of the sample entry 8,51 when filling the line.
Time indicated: 3,22
